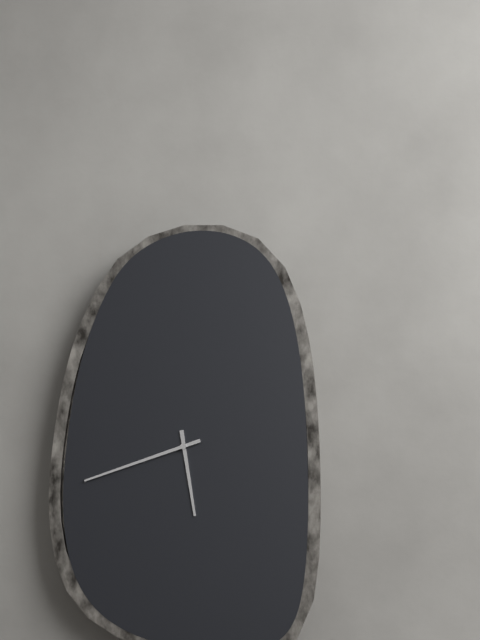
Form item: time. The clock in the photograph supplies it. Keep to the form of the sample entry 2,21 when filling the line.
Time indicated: 5,42
